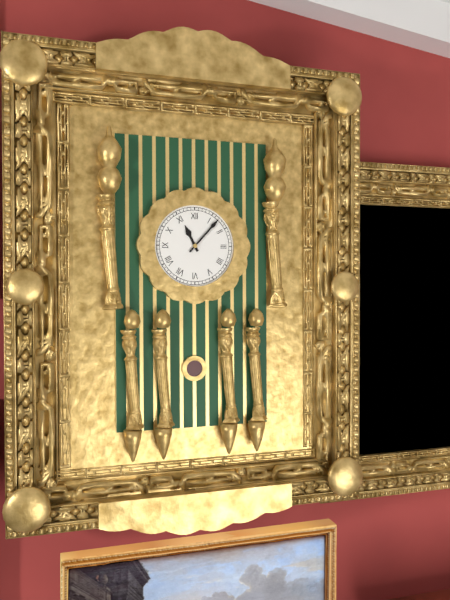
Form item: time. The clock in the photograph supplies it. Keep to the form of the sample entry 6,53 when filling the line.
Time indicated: 11,07
